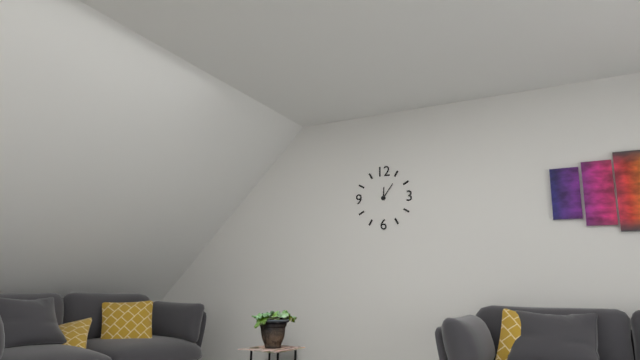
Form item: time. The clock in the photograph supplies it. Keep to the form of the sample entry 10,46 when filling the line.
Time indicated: 12,06
